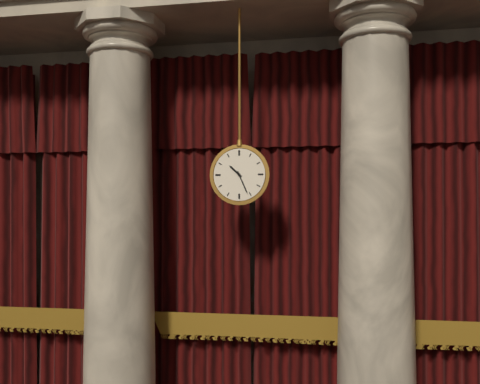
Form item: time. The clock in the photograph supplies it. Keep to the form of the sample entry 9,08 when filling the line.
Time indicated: 10,26
